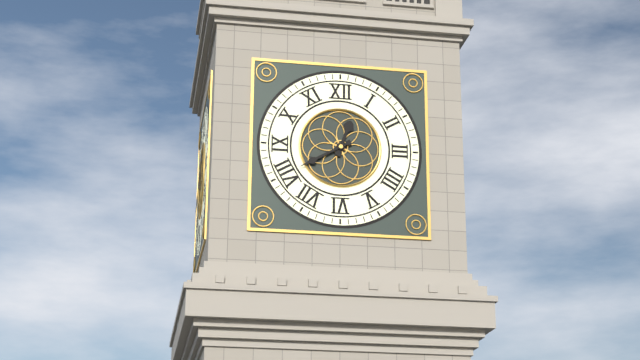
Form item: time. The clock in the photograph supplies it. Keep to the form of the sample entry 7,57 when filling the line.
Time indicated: 12,40
